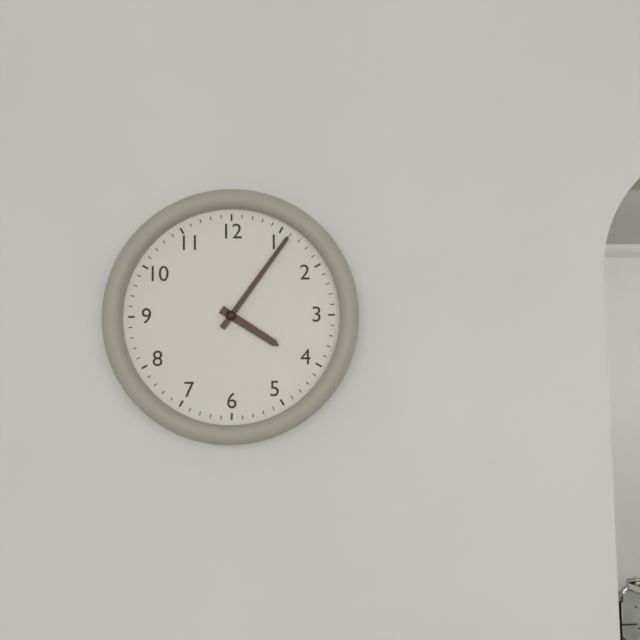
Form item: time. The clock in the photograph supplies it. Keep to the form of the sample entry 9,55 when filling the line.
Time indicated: 4,06
